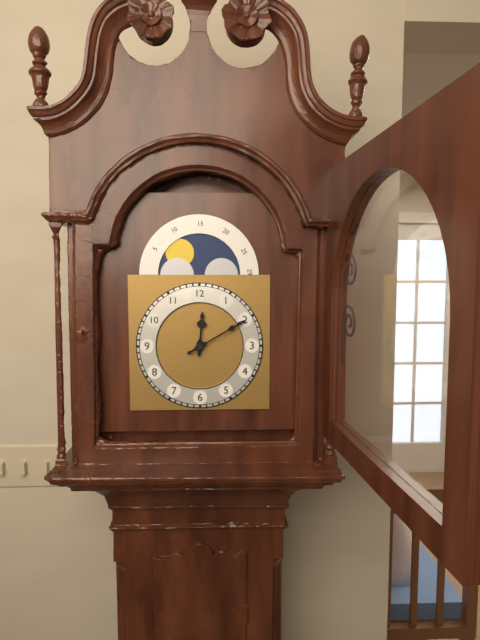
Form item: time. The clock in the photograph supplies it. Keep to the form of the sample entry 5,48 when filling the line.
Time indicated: 12,10
